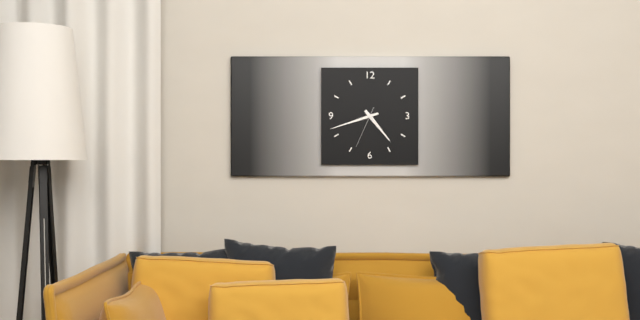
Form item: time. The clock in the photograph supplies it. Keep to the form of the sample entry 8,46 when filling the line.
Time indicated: 4,42
